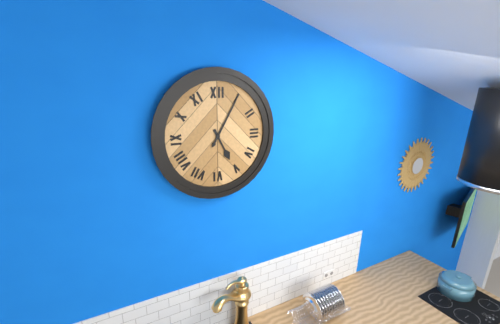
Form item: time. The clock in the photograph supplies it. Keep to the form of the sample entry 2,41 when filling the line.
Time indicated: 5,05
